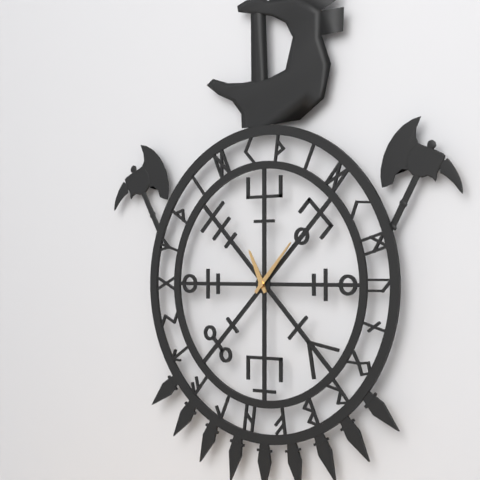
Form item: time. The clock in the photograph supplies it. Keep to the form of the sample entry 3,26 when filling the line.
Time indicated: 11,07
